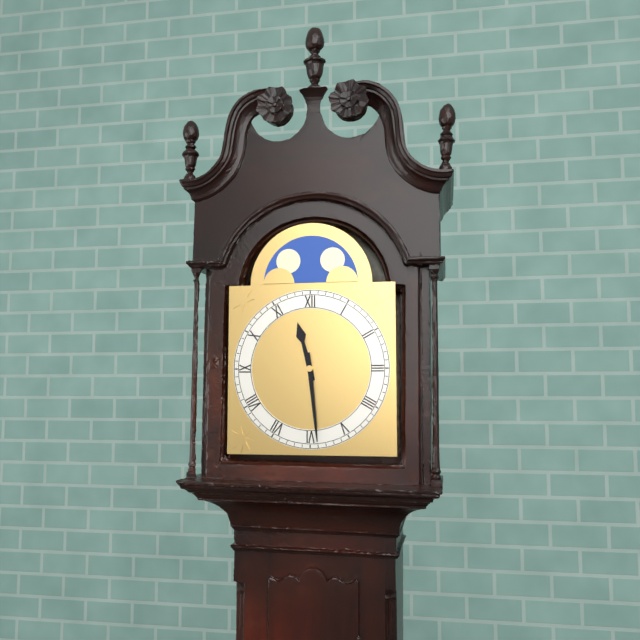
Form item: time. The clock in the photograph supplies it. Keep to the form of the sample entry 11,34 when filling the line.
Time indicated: 11,29
